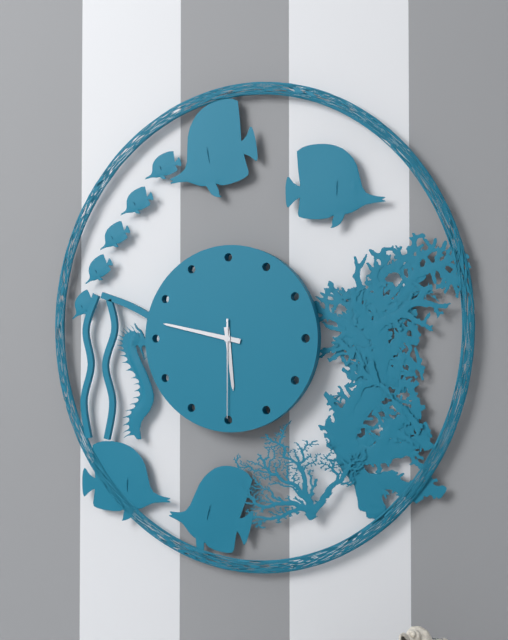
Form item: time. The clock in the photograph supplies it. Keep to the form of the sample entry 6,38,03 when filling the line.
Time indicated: 5,47,30
